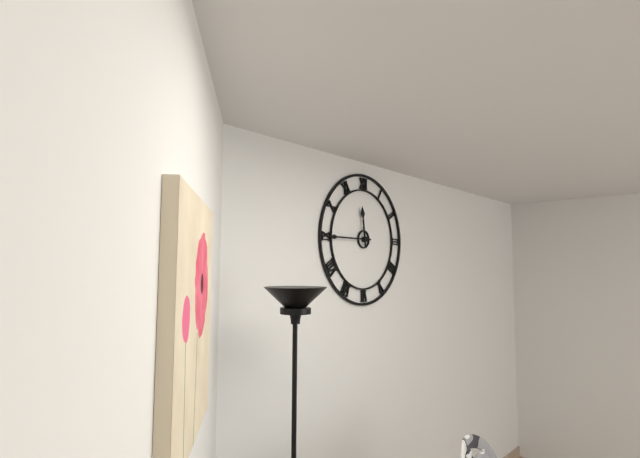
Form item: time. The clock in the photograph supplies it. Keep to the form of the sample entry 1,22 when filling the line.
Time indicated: 11,45
